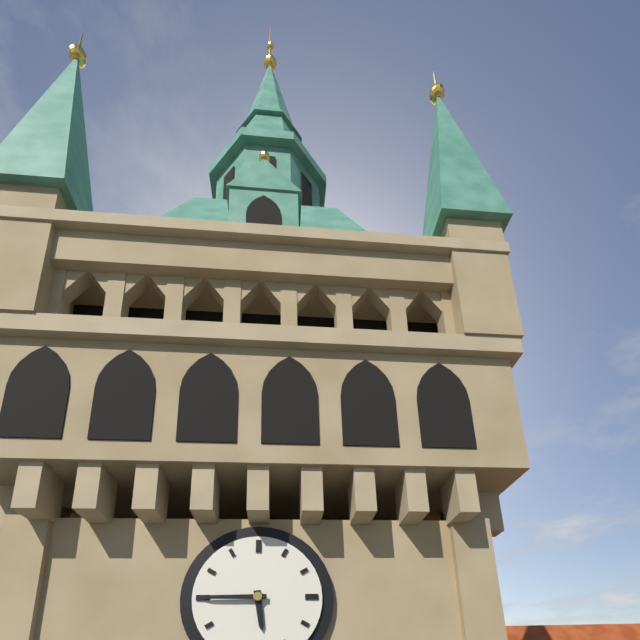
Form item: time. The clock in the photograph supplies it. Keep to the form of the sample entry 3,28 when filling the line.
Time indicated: 5,45
